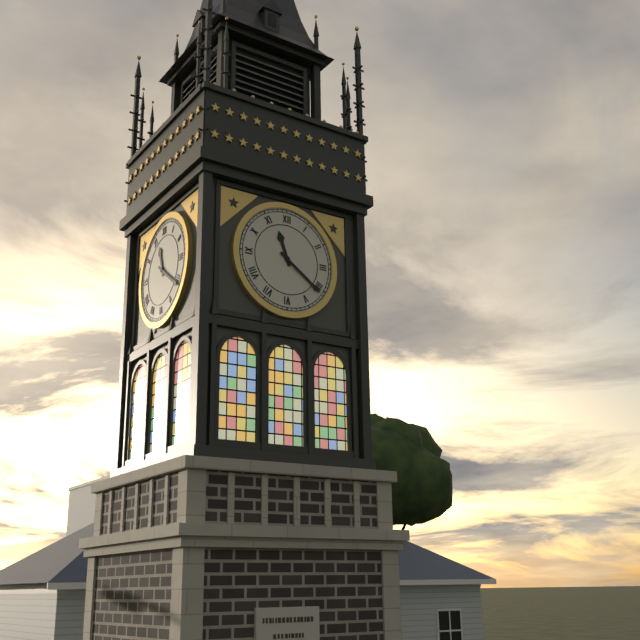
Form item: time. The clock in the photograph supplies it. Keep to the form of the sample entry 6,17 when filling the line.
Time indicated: 11,21
